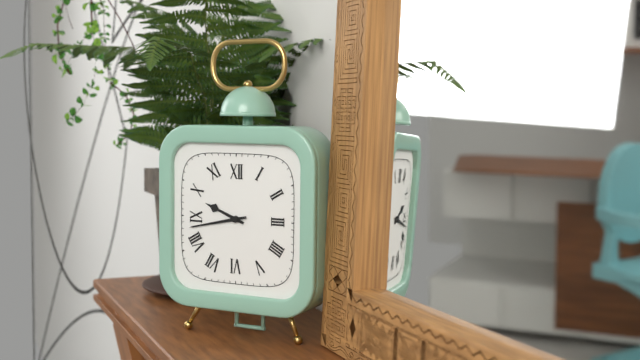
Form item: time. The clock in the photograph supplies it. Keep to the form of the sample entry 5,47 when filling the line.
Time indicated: 9,43
